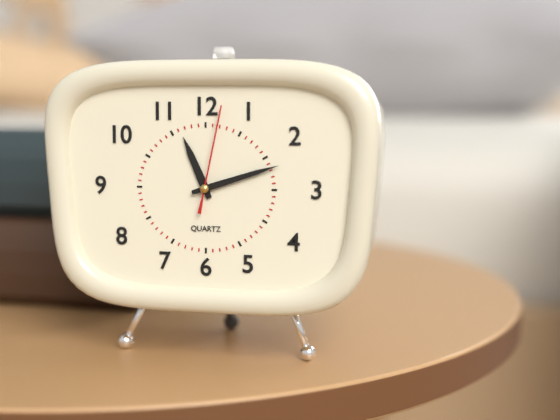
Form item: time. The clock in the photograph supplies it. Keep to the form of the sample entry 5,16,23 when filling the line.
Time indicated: 11,12,02
